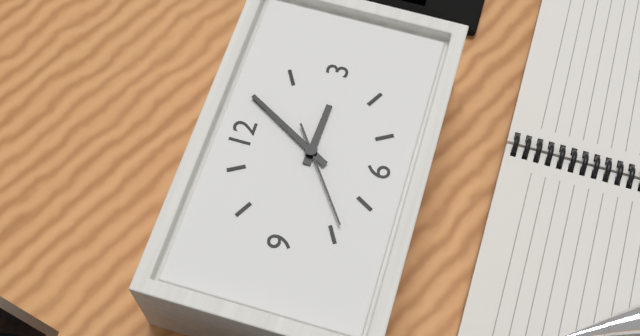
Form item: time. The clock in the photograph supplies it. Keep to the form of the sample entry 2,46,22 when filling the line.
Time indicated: 3,05,39
